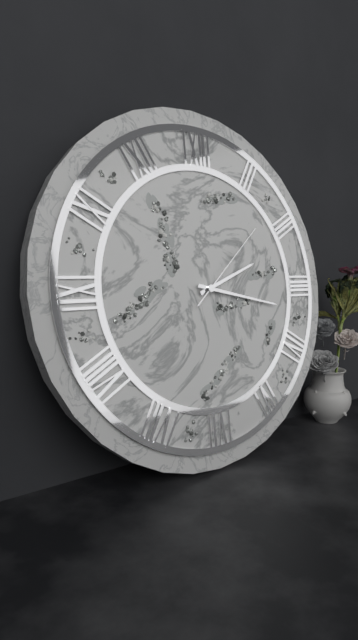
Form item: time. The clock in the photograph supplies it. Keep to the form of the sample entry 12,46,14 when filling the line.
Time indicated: 2,17,08
